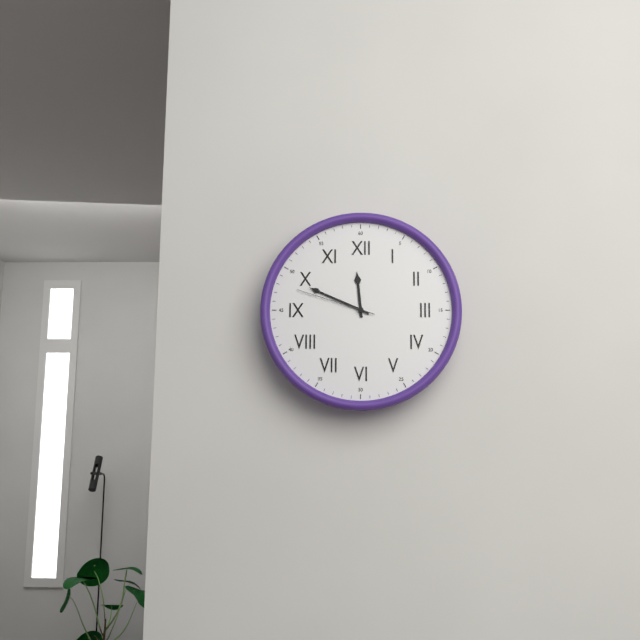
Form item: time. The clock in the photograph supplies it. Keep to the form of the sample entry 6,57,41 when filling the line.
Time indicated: 11,49,48
